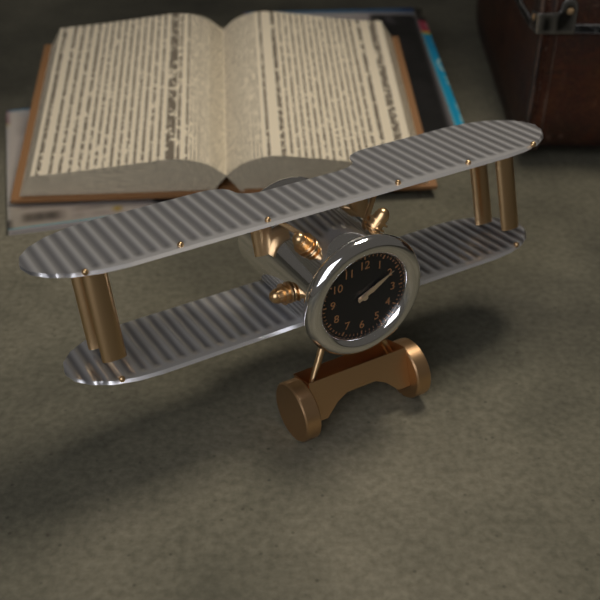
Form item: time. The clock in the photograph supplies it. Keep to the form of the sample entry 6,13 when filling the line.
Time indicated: 2,10
